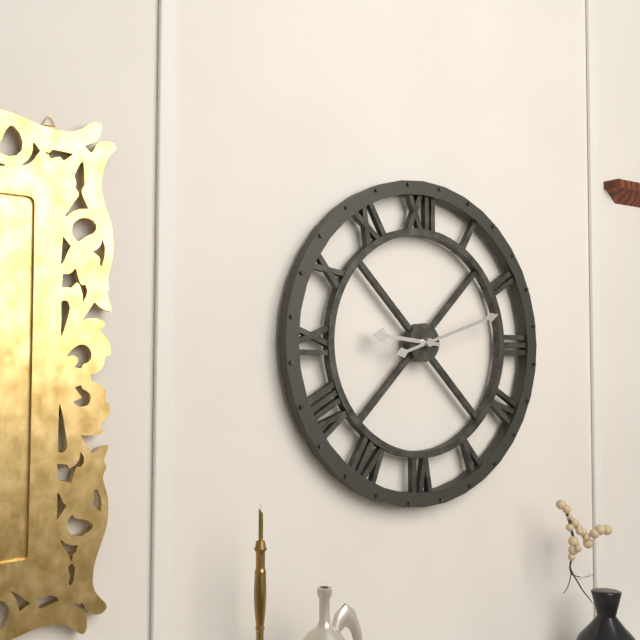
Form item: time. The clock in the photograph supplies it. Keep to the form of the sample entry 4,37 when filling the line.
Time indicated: 9,12
